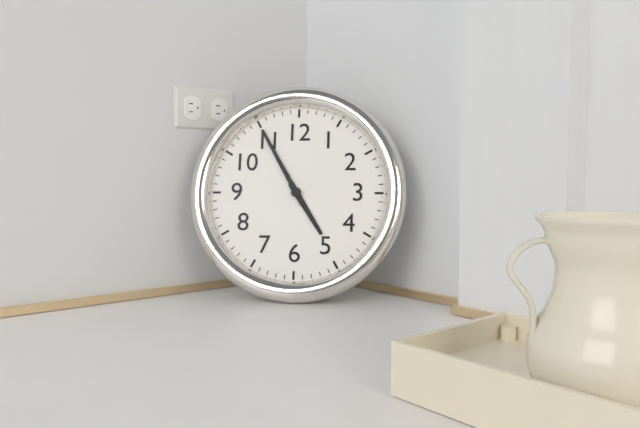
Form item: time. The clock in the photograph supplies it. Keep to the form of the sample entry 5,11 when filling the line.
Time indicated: 4,55
